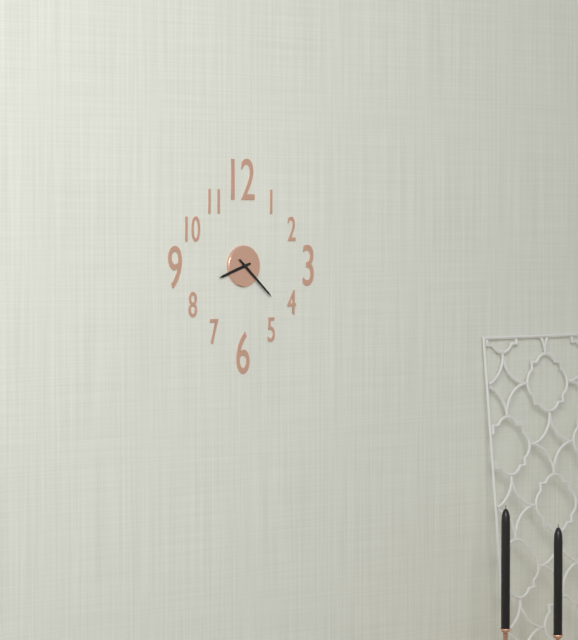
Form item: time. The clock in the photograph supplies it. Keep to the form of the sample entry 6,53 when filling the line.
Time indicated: 8,22
